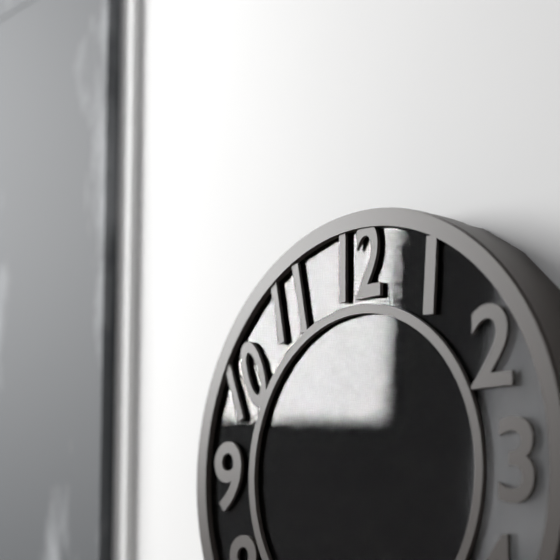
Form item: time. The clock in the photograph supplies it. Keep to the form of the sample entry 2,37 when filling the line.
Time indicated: 12,52
